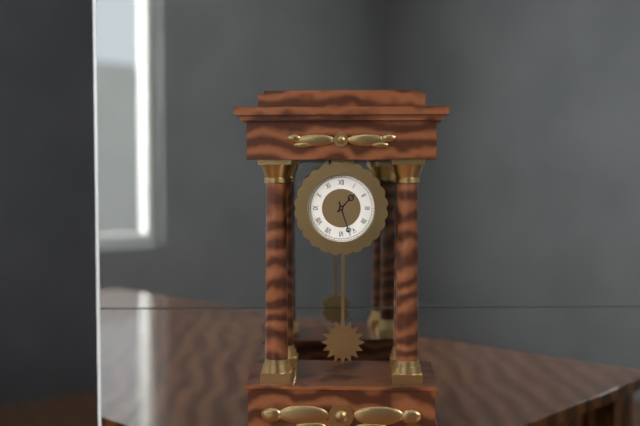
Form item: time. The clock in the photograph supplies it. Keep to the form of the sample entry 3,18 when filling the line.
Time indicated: 1,27
